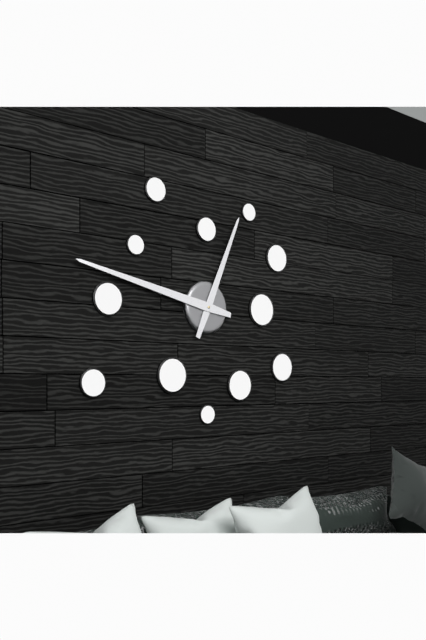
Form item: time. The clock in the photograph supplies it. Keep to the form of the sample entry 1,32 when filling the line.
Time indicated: 12,47
